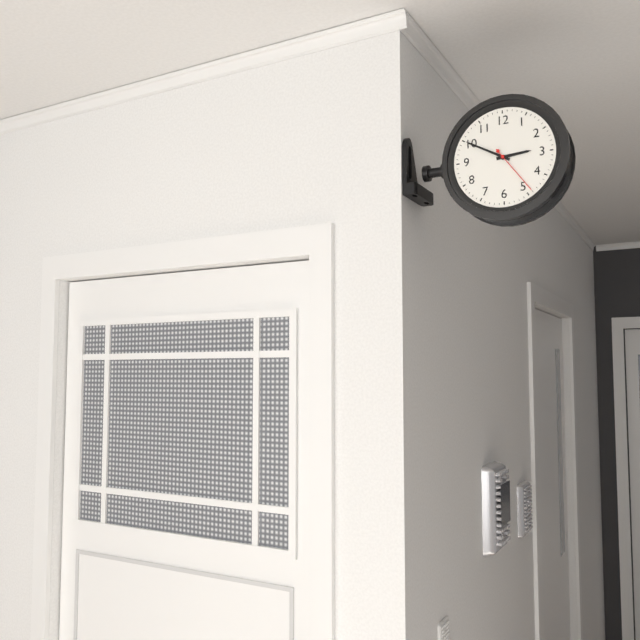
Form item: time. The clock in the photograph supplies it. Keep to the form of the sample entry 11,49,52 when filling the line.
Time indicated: 2,50,24
